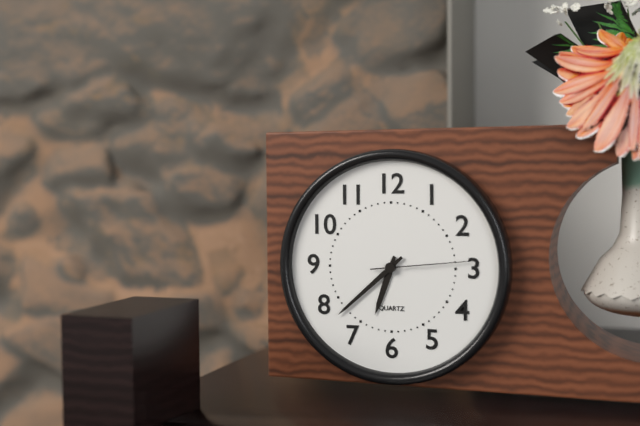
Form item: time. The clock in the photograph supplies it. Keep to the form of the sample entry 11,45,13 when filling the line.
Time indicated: 6,38,14
